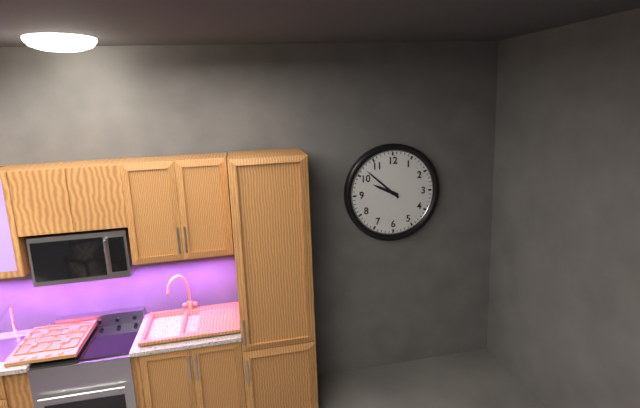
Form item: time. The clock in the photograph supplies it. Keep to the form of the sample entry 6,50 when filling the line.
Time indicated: 9,52
